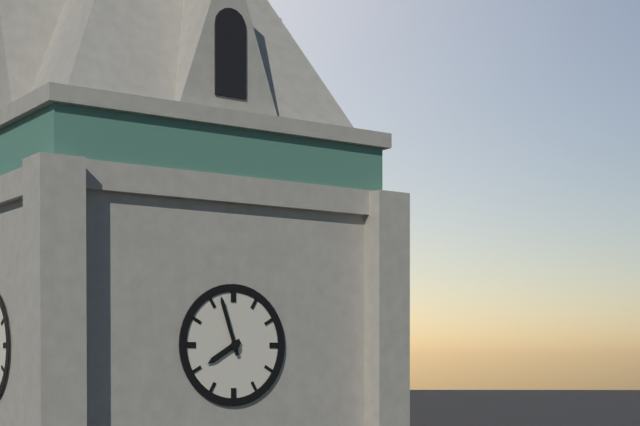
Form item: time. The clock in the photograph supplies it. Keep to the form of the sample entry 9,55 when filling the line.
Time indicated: 7,57
